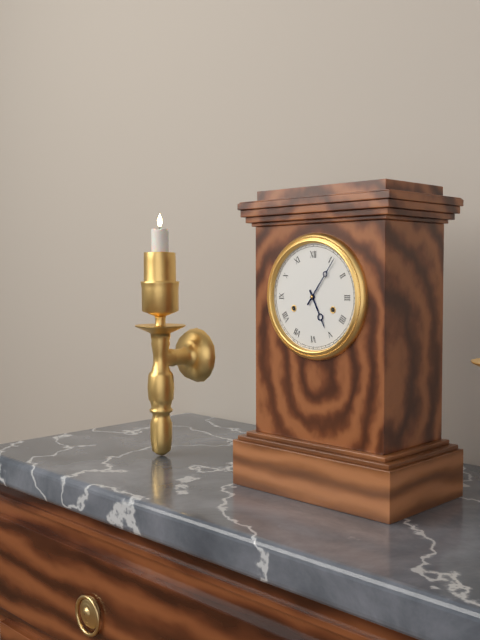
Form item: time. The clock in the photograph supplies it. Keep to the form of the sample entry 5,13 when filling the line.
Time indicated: 5,06
